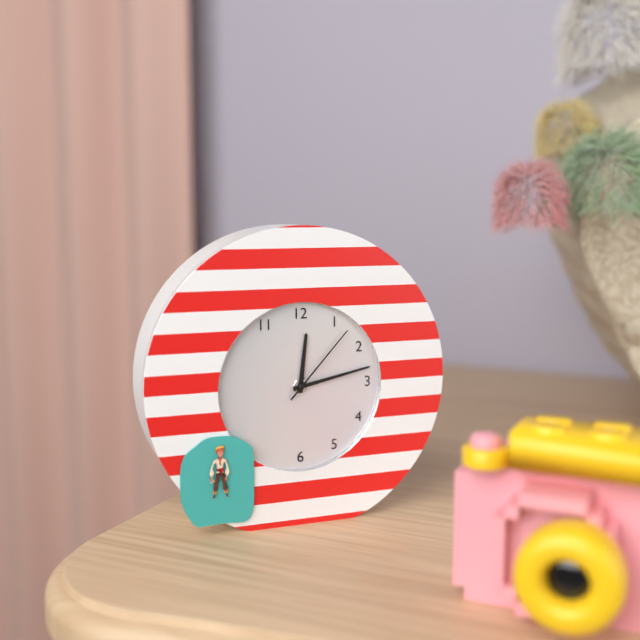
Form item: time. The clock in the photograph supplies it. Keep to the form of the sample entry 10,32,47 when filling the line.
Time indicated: 12,13,07
